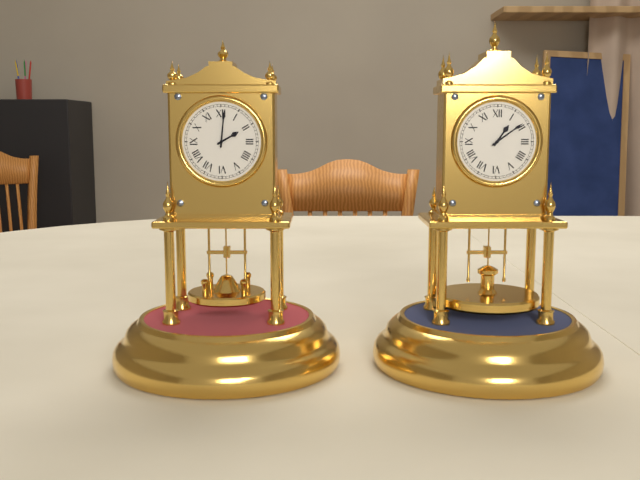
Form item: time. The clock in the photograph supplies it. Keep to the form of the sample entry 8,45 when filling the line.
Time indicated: 2,01
